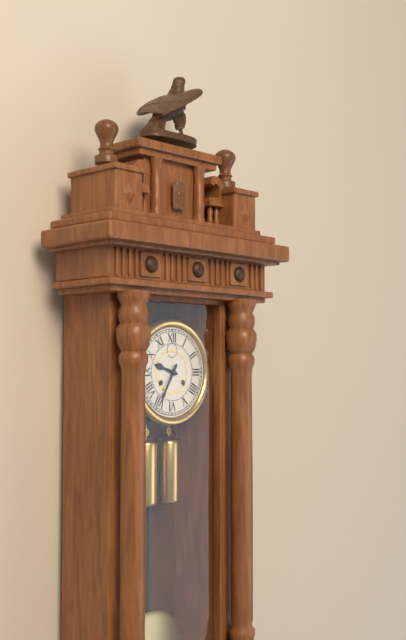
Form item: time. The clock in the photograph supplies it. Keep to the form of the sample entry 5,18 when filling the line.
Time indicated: 9,35
